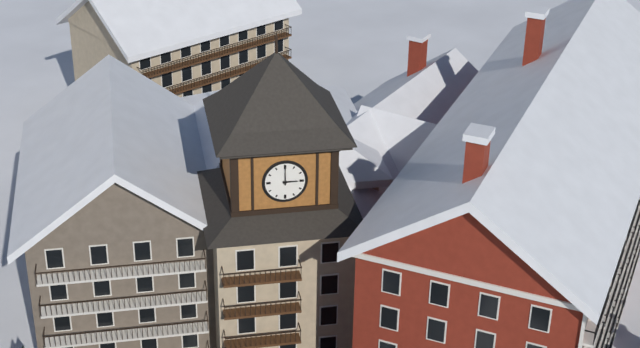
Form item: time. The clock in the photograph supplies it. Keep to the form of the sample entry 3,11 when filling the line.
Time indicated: 3,00
